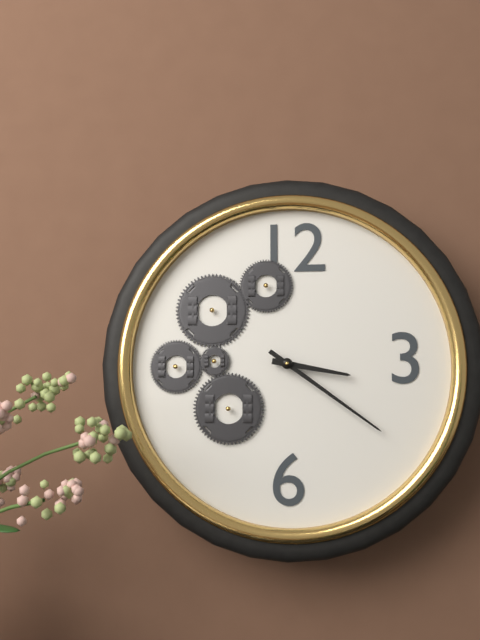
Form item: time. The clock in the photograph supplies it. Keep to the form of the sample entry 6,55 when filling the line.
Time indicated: 3,21
